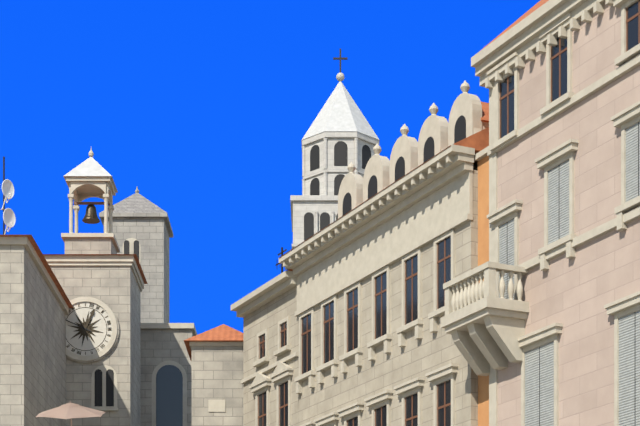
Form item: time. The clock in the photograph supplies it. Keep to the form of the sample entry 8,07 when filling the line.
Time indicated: 12,49
